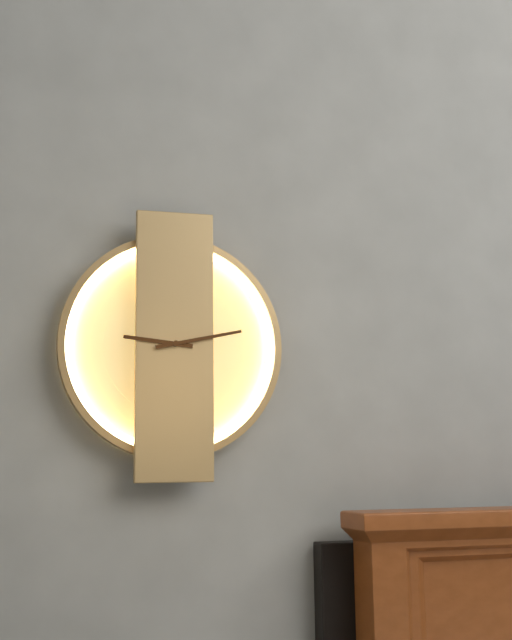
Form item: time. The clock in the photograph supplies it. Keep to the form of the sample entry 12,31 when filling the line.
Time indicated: 9,13
